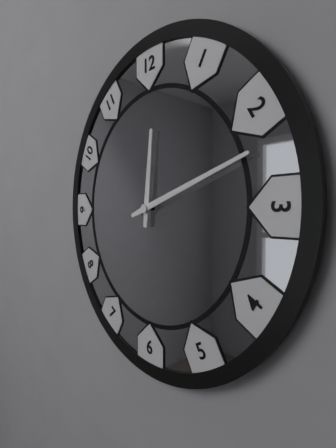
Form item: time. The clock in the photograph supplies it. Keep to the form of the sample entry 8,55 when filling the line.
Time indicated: 12,12
